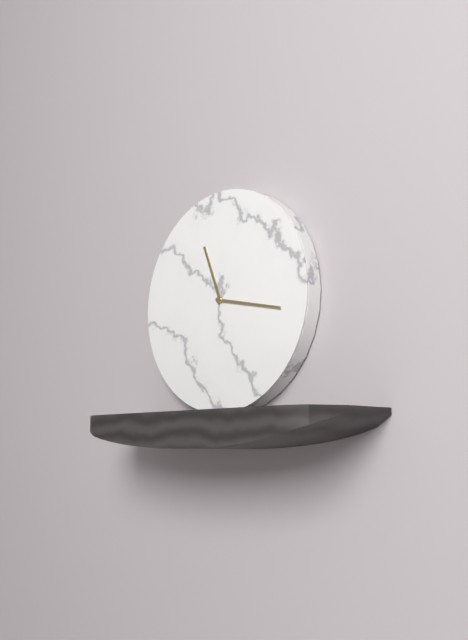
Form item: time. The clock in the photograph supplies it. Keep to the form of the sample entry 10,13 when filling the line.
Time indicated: 11,17
